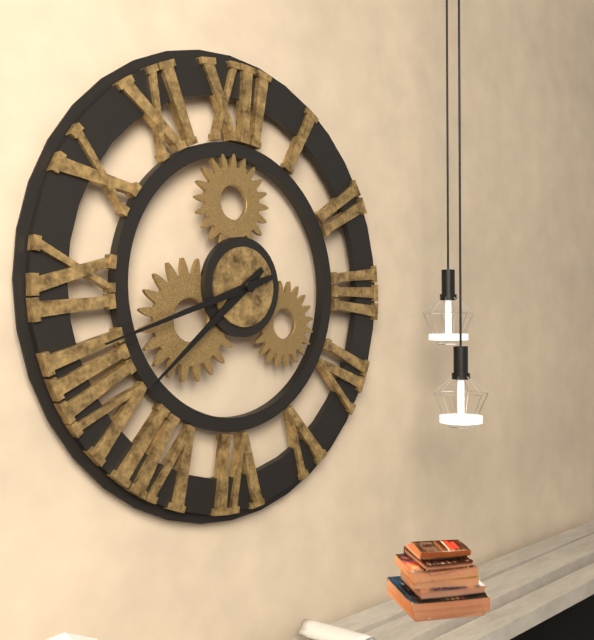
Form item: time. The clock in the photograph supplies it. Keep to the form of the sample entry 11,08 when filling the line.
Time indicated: 7,42
